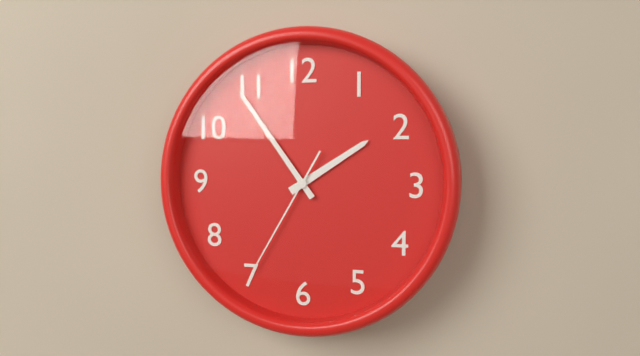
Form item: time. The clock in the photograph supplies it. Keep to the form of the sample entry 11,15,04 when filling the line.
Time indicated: 1,54,35
